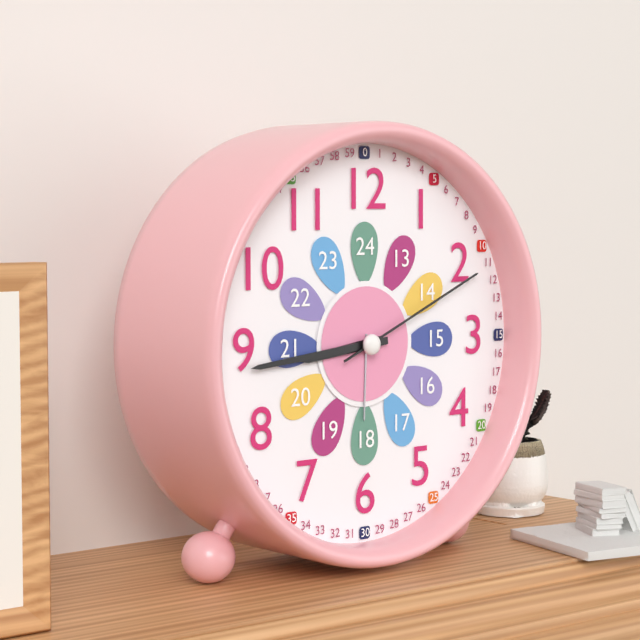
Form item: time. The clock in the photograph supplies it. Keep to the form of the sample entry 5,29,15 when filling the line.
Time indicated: 8,44,11
